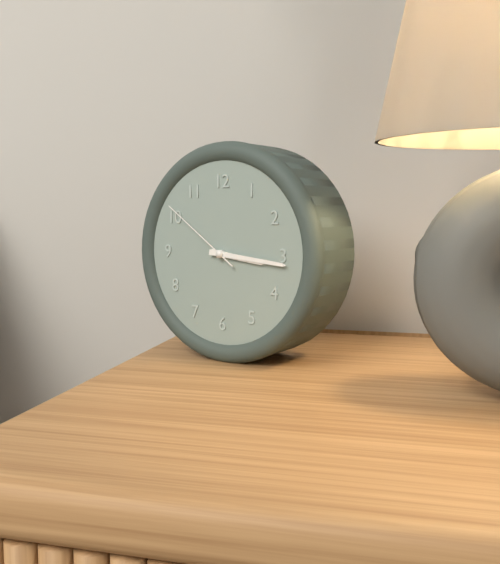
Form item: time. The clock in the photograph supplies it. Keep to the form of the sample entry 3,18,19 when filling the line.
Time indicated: 3,16,51
